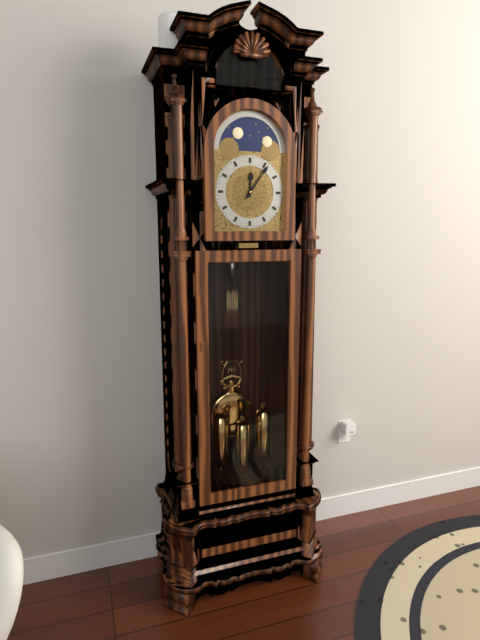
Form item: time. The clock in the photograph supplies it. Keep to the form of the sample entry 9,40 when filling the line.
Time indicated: 12,06
